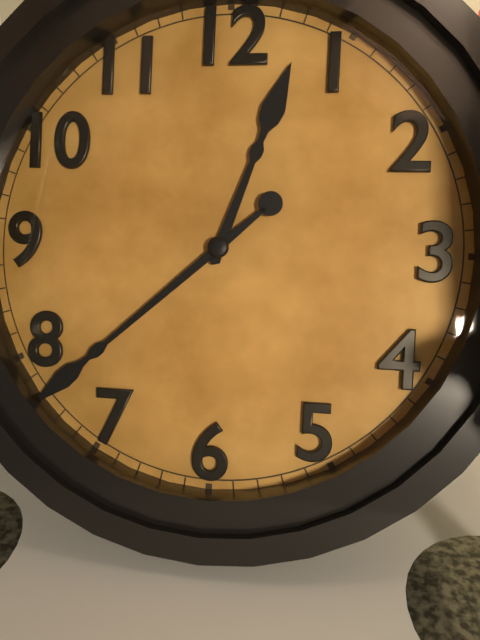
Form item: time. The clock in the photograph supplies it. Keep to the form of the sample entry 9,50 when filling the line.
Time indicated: 12,38
